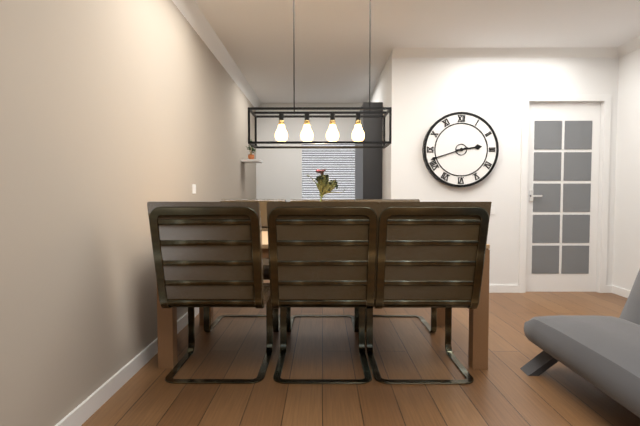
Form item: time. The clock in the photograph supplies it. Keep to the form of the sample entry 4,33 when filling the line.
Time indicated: 2,42
